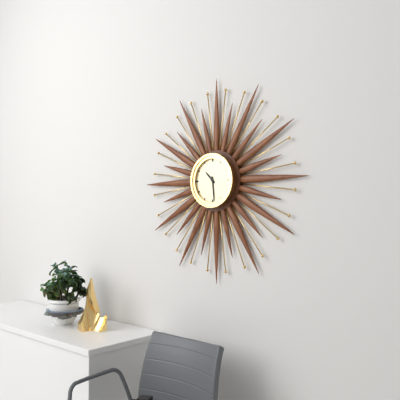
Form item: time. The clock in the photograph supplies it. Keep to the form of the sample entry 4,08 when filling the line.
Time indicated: 10,29
